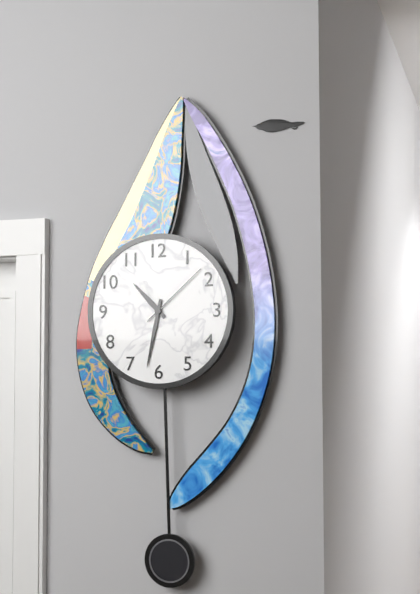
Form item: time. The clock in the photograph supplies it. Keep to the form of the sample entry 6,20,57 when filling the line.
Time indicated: 10,32,08
